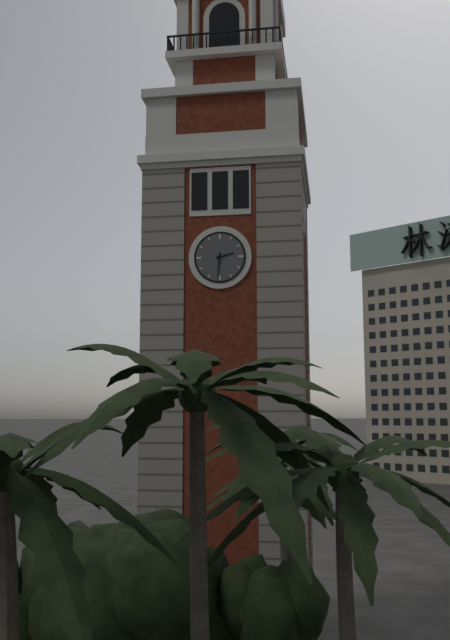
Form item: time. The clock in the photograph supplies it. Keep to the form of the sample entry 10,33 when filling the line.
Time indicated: 2,31
